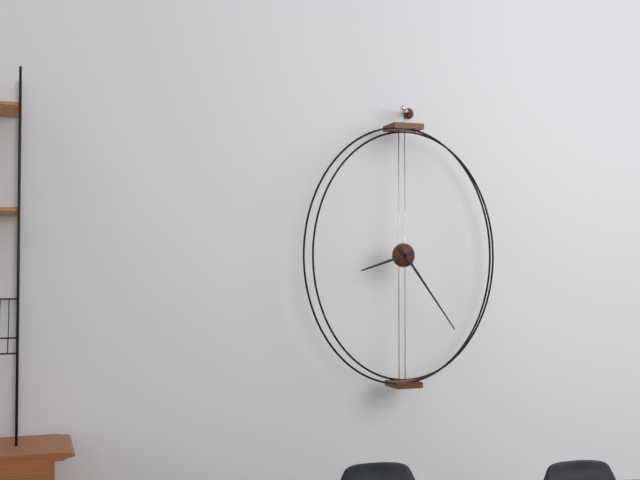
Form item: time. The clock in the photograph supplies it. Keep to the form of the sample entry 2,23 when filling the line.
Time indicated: 8,24
